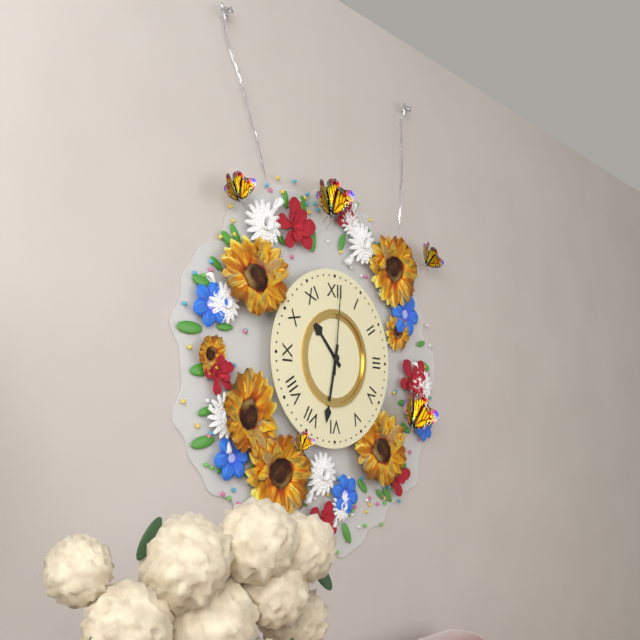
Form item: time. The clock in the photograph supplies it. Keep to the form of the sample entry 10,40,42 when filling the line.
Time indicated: 10,32,01
